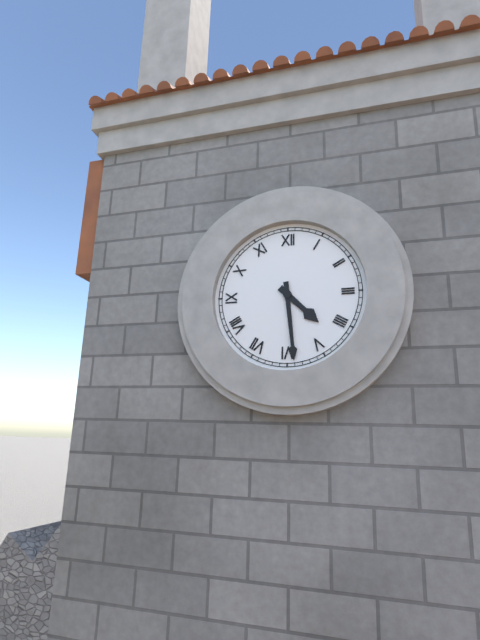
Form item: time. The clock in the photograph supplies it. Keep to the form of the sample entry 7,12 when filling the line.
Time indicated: 4,29
